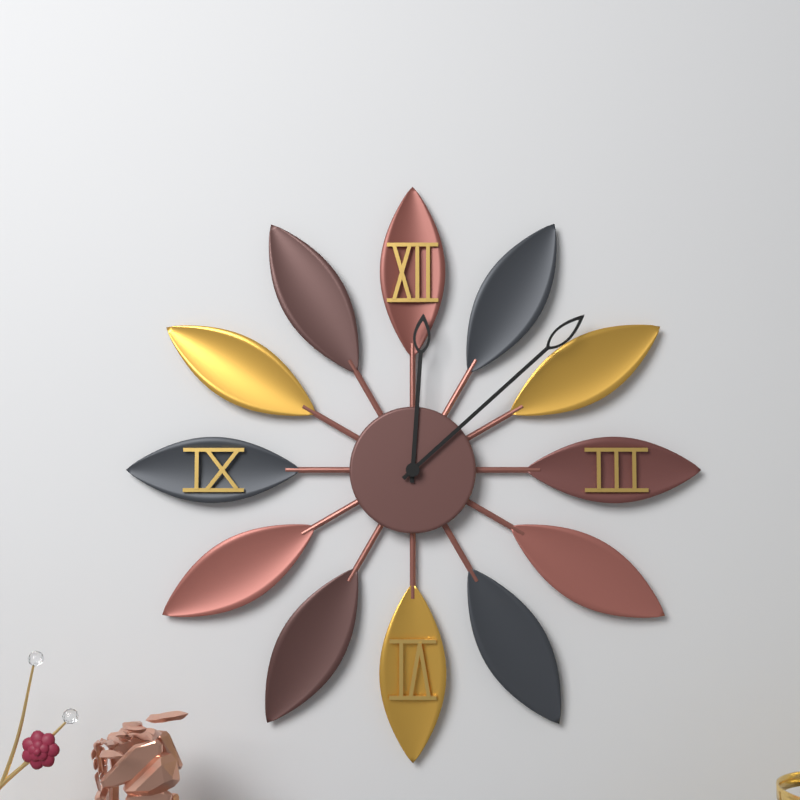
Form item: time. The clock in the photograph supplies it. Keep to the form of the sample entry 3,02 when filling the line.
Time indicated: 12,08
